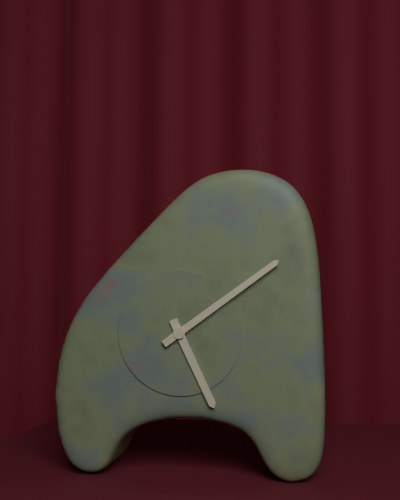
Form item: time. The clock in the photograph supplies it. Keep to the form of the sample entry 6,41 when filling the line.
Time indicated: 5,09
